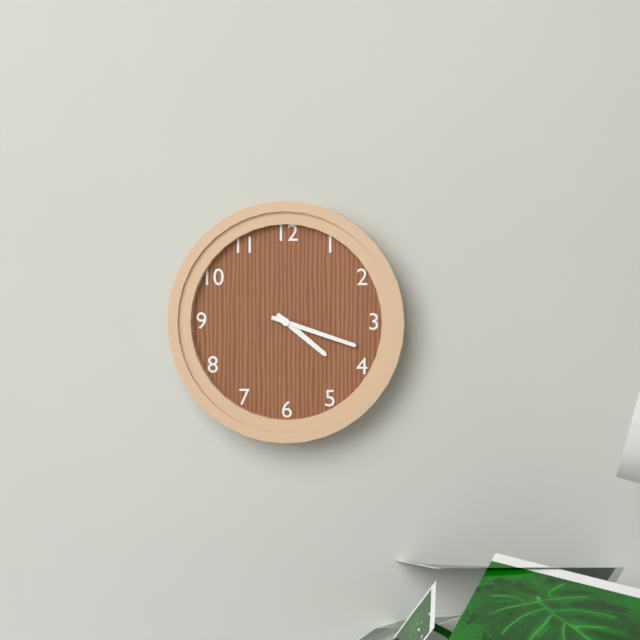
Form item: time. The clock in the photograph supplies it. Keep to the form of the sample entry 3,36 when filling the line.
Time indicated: 4,18
